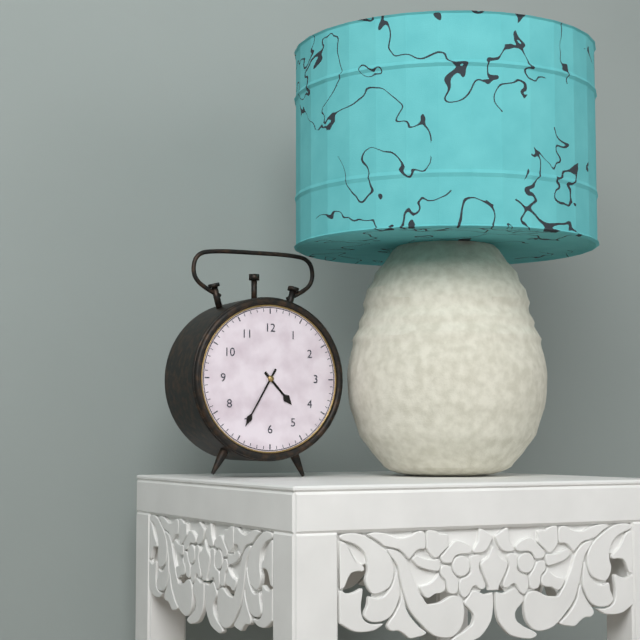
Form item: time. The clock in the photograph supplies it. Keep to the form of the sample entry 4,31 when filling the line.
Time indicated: 4,35
